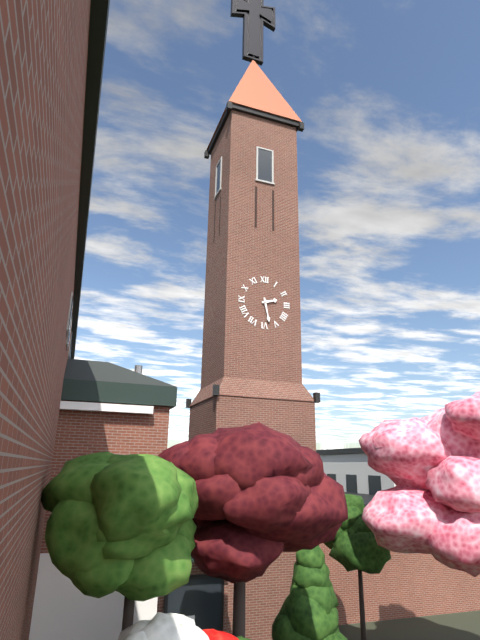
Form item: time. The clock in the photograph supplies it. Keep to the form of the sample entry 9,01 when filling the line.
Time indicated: 2,28
